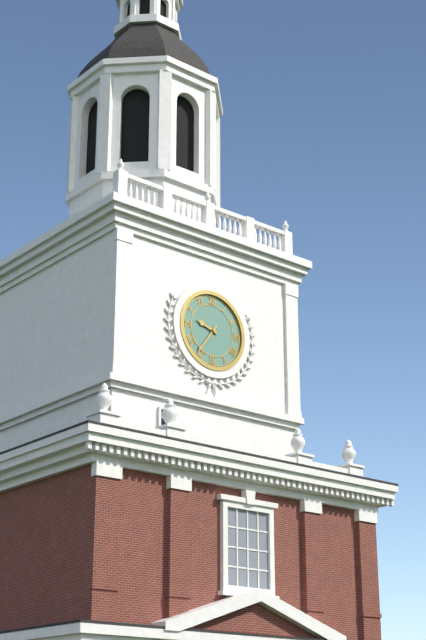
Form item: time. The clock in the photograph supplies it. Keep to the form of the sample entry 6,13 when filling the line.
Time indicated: 9,36
